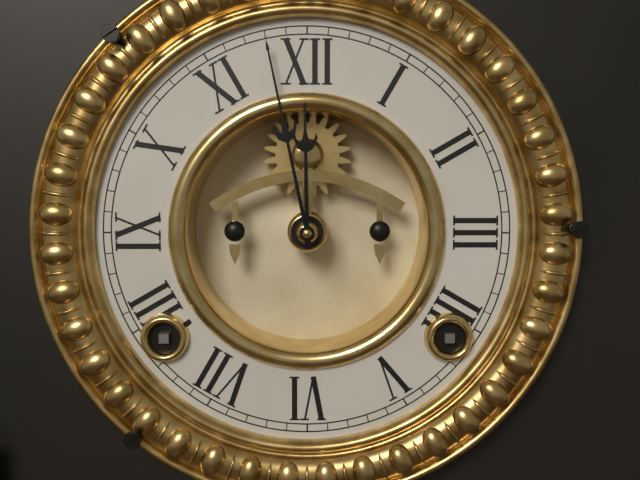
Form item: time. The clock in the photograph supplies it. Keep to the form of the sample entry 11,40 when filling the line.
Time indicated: 11,58
